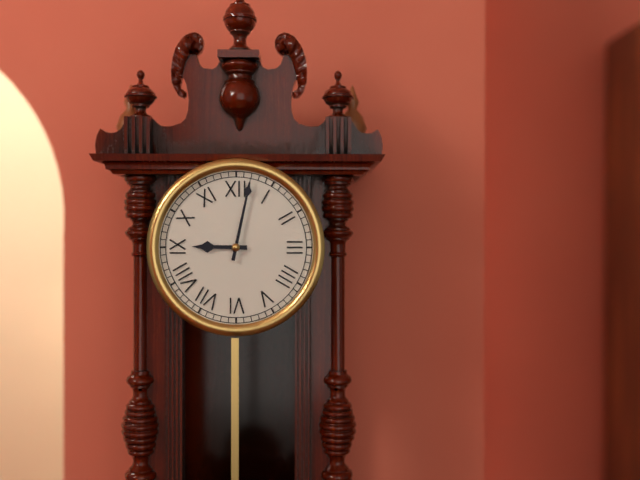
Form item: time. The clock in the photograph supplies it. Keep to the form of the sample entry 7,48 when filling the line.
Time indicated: 9,02
